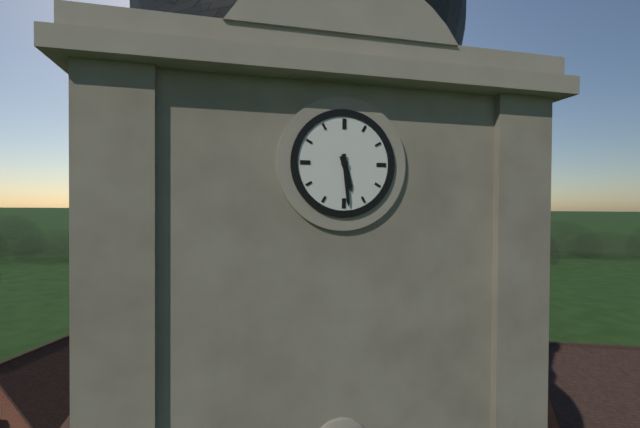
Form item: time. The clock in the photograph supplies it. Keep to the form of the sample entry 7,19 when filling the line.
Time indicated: 5,29
